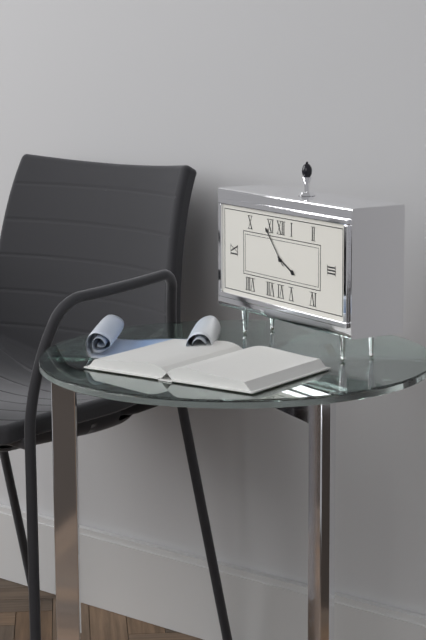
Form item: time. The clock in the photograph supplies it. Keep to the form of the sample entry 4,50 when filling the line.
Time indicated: 3,53
